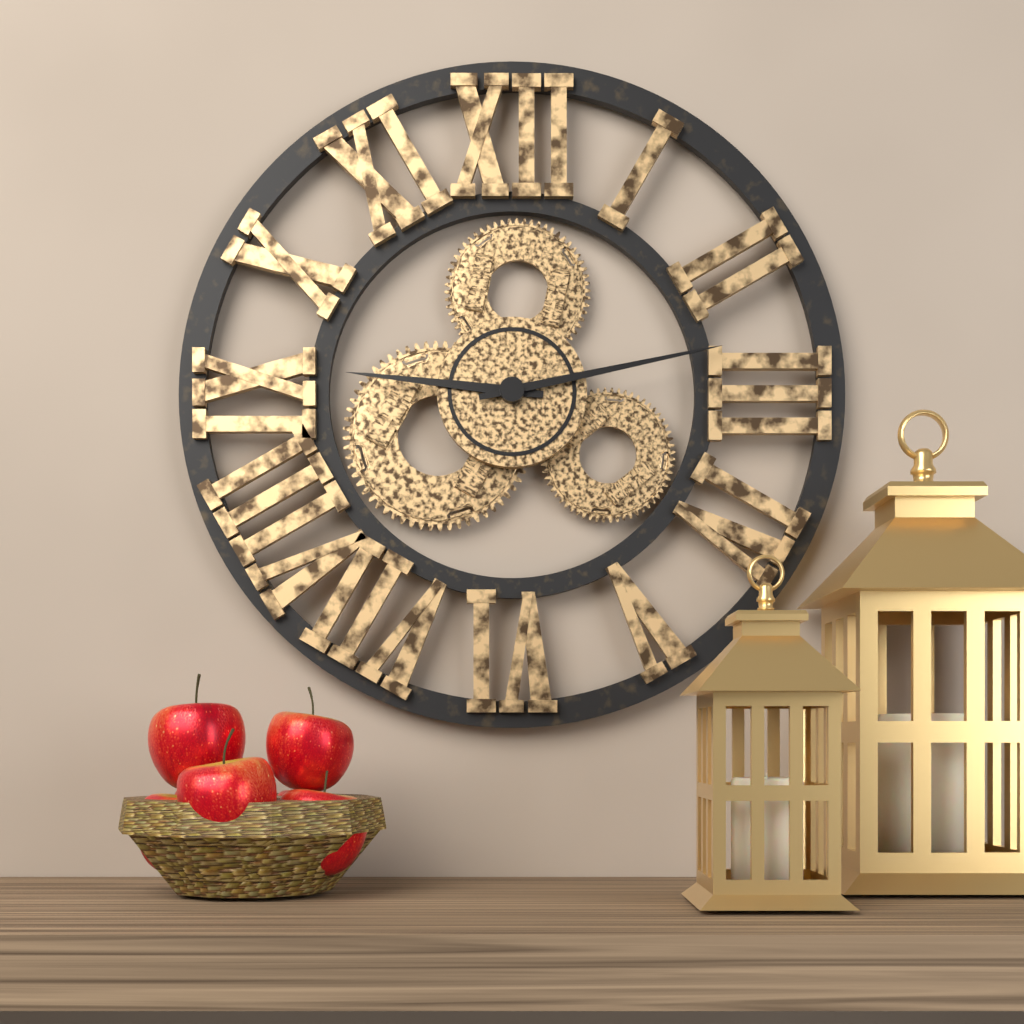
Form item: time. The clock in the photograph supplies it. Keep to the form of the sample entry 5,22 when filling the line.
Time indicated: 9,13
